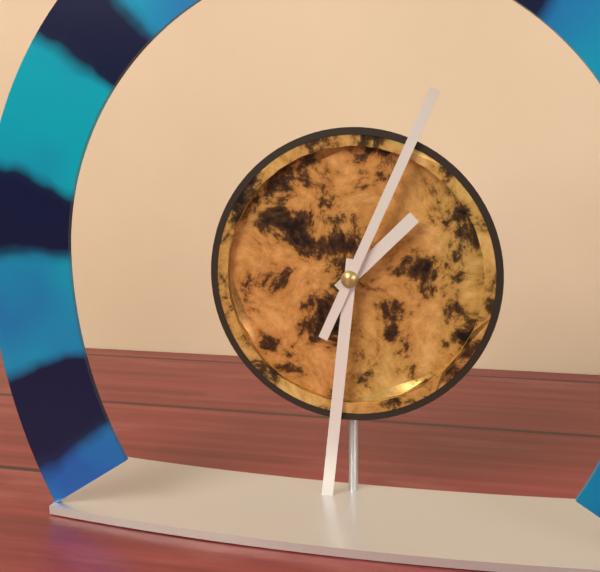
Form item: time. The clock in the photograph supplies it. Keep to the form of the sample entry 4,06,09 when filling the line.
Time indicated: 1,31,04
